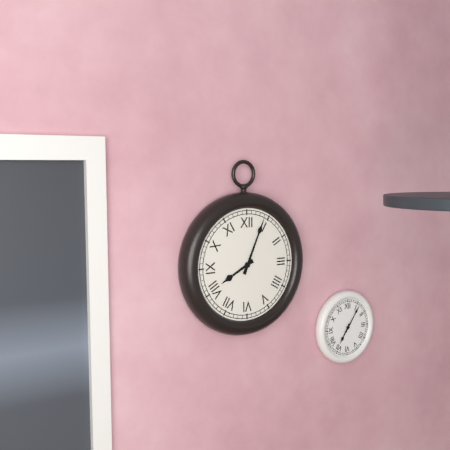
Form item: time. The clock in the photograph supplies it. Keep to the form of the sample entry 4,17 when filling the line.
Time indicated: 8,04
